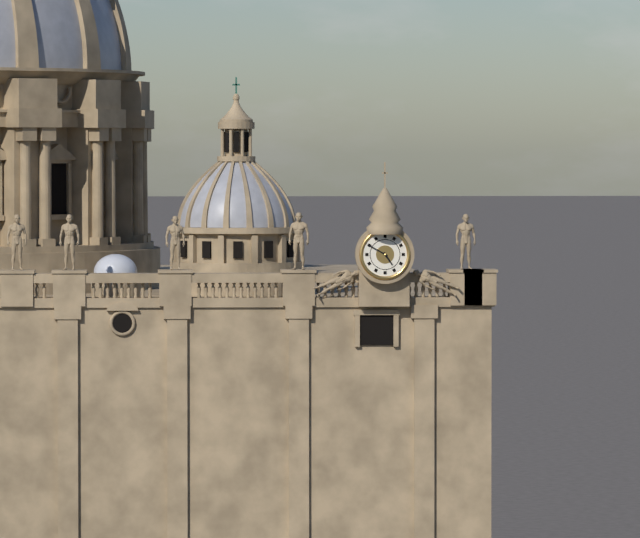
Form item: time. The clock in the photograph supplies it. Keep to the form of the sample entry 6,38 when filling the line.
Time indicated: 4,50
